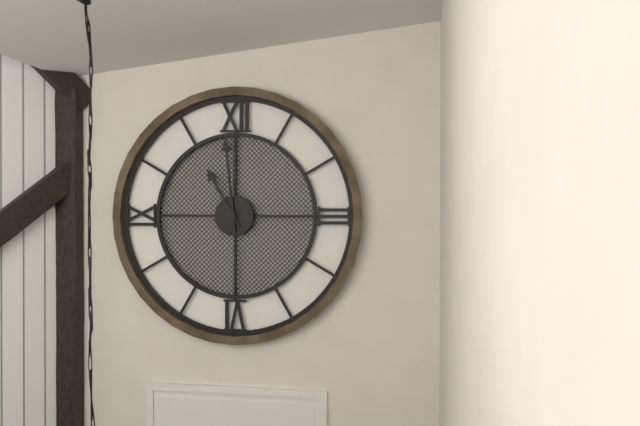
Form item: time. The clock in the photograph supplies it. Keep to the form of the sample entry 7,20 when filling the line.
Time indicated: 10,59
